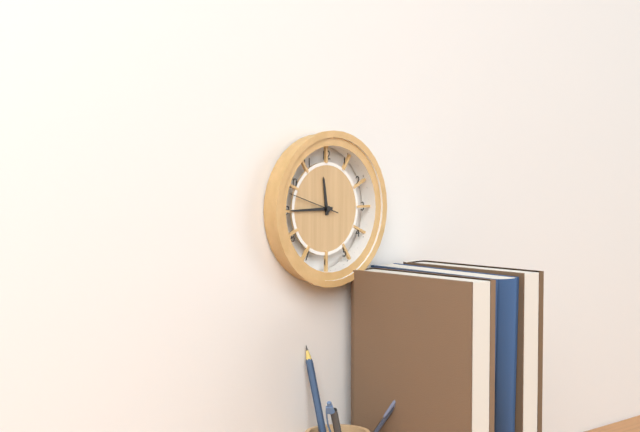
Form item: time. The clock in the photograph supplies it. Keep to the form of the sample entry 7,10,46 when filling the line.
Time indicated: 11,45,48
